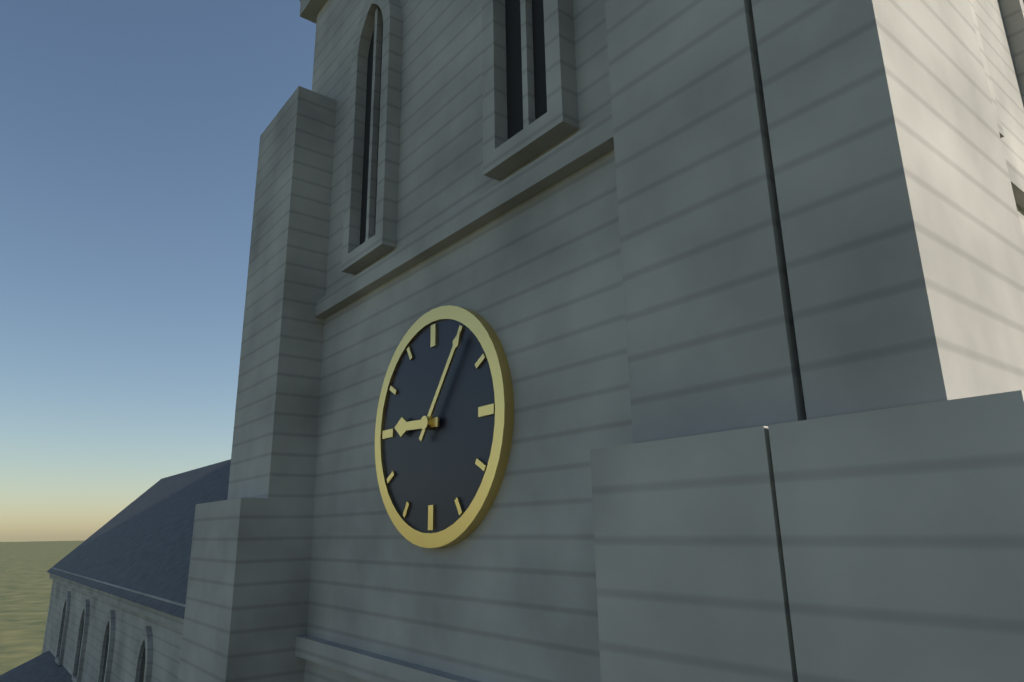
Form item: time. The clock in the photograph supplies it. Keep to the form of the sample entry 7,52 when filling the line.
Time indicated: 9,06
